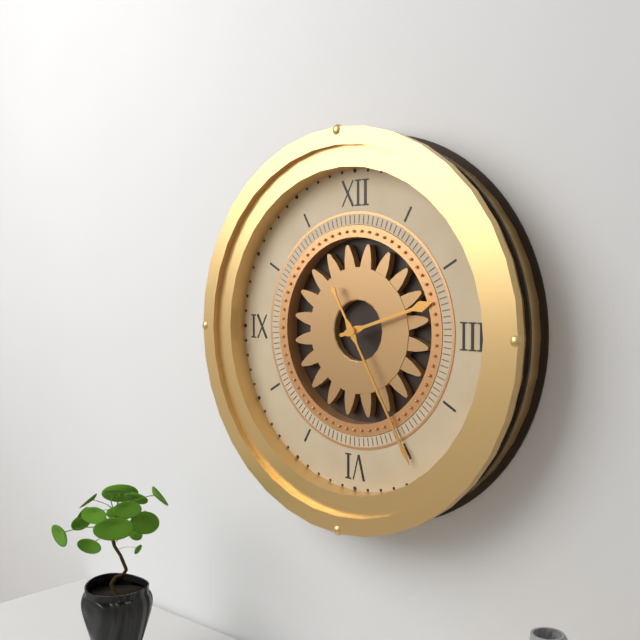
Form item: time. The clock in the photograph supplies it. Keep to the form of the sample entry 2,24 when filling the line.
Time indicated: 2,25
